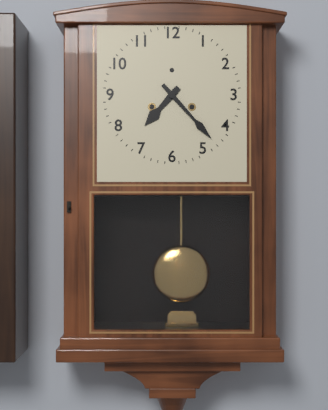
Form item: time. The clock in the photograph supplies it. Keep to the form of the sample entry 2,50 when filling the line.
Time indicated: 7,23
